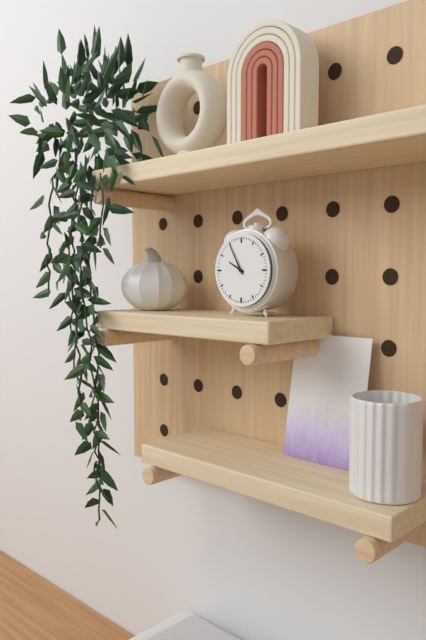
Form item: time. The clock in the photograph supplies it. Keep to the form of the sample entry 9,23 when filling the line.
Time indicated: 9,55
